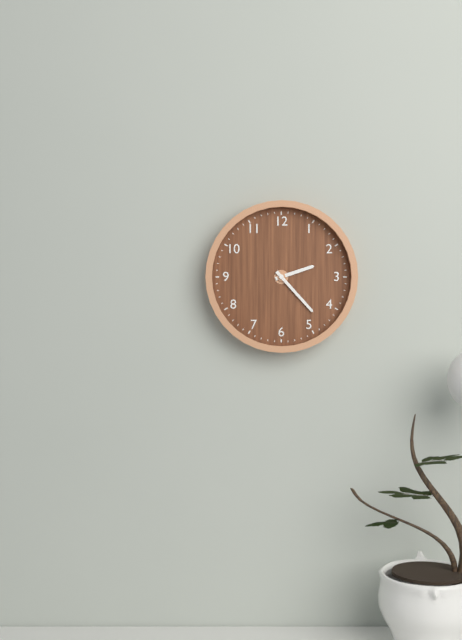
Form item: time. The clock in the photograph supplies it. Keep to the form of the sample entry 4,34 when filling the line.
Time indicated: 2,23
